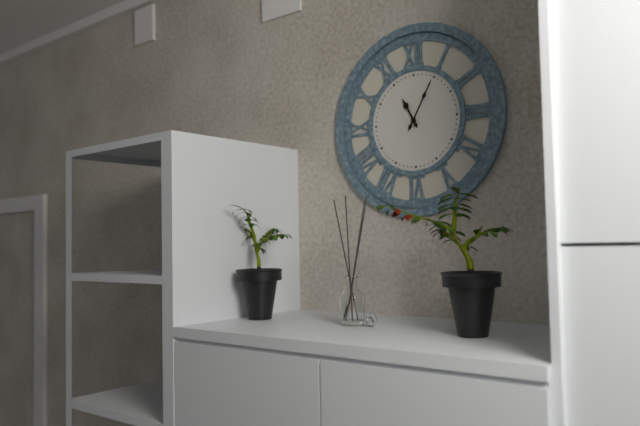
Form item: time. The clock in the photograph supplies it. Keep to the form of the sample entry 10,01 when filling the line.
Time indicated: 11,05
